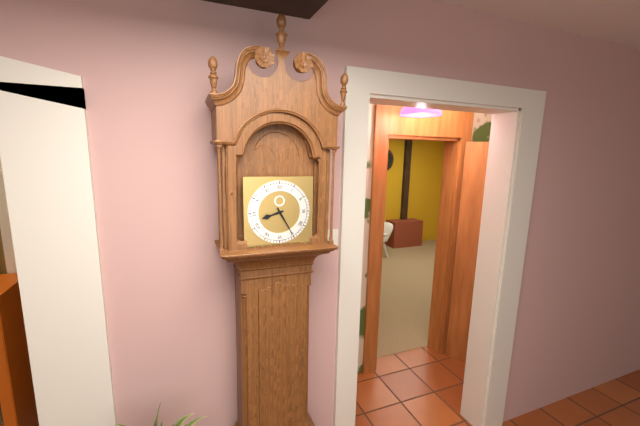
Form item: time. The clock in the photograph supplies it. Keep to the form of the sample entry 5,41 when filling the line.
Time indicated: 8,25
